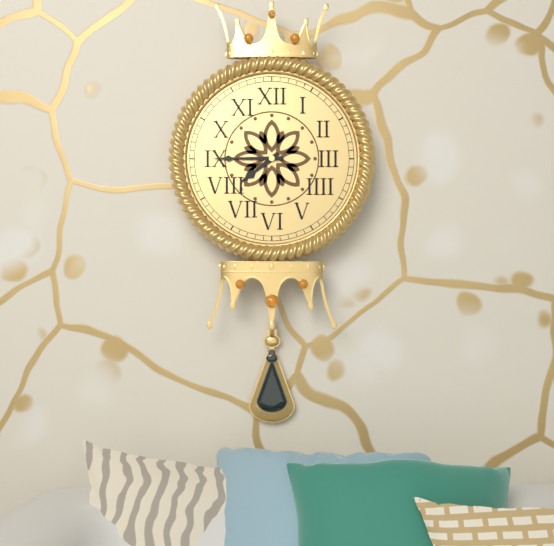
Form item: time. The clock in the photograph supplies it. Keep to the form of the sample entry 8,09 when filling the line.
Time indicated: 7,45
